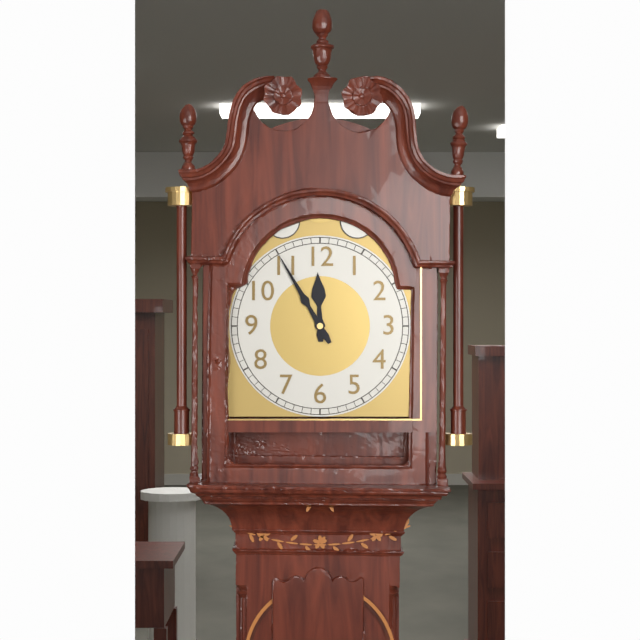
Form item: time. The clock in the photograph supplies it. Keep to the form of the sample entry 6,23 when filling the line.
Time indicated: 11,55
